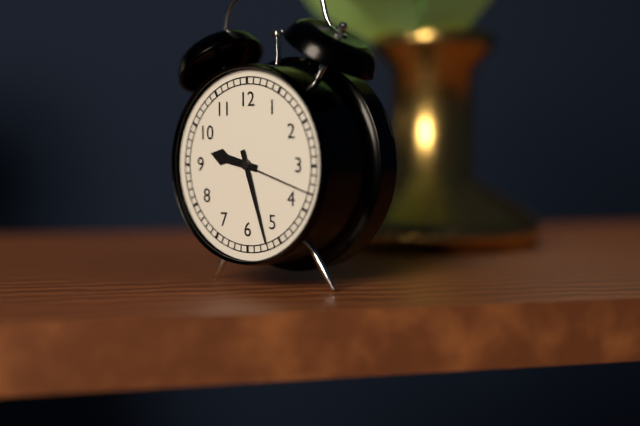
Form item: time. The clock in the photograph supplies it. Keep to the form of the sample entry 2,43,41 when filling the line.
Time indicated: 9,27,18
